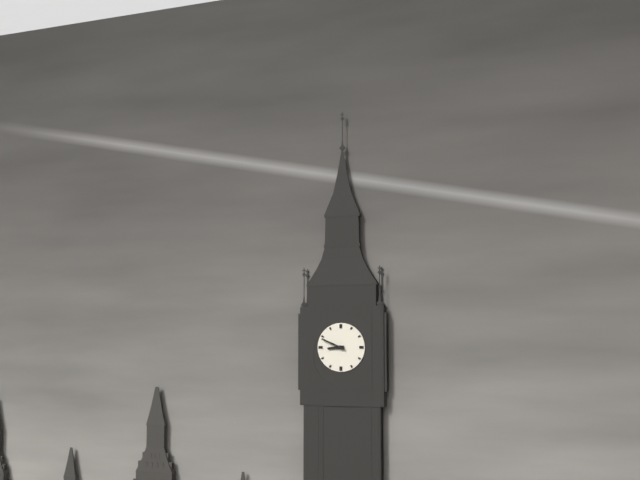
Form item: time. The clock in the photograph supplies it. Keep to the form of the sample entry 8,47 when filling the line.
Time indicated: 8,49
